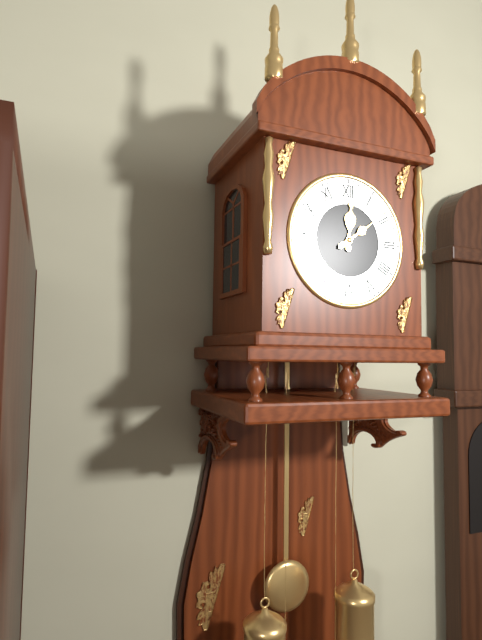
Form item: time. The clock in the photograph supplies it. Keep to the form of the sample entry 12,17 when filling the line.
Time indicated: 12,09
